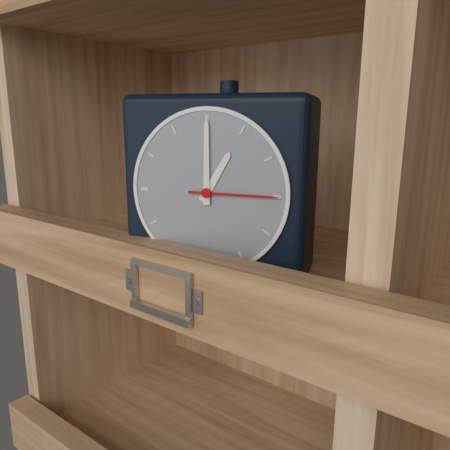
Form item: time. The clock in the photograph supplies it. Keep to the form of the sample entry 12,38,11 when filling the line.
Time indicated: 1,00,15
